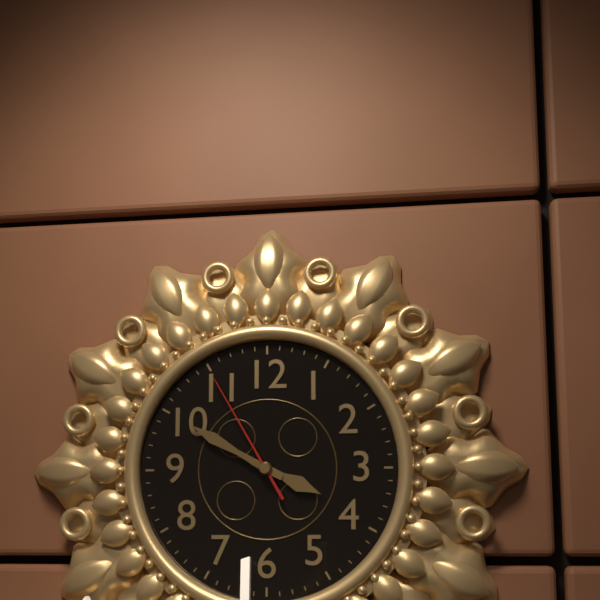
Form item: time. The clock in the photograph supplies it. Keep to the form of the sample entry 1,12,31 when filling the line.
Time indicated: 3,50,55
